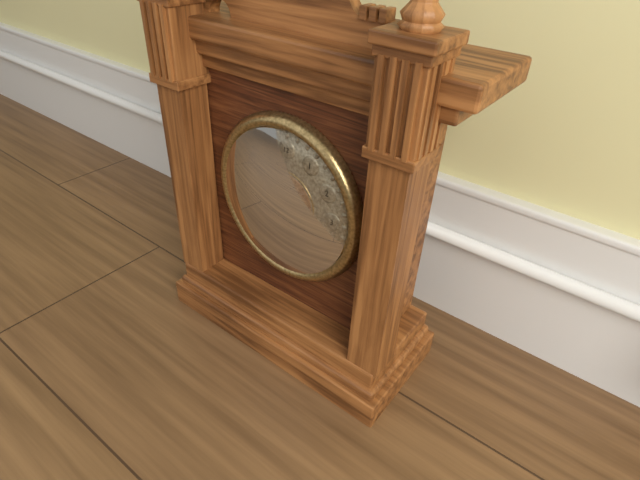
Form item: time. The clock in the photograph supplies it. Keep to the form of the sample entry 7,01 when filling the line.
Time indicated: 3,57
